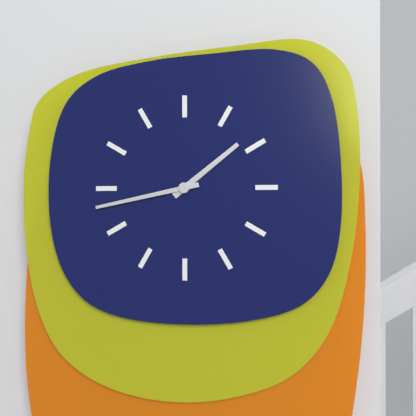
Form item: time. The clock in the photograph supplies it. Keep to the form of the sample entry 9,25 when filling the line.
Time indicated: 1,43
